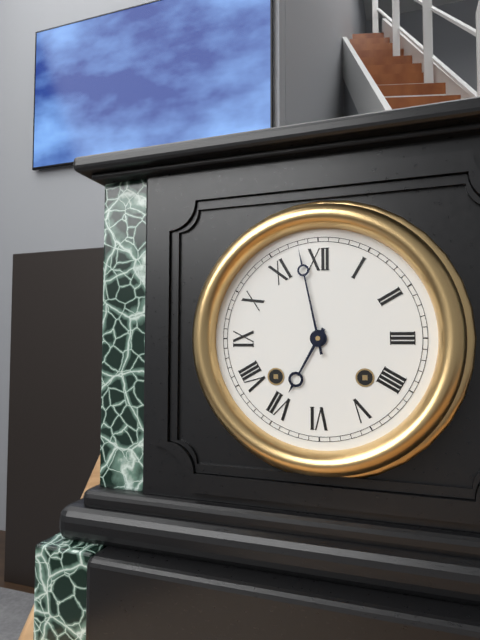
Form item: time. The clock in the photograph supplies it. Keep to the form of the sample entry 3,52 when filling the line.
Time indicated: 6,58
